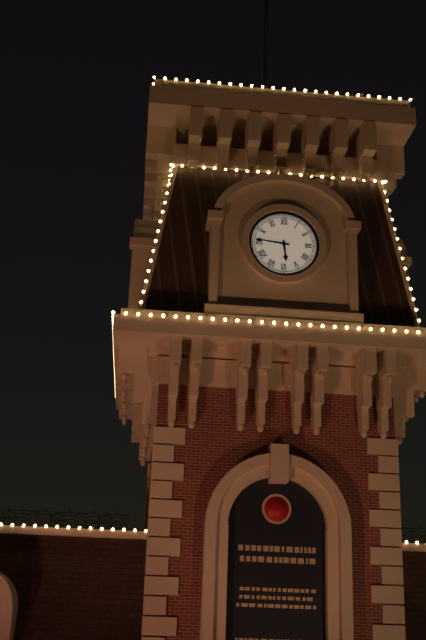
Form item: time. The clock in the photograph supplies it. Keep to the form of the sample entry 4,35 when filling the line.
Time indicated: 5,46
